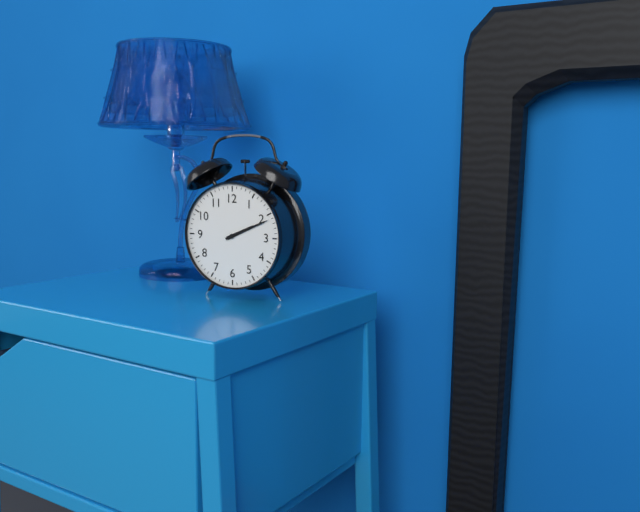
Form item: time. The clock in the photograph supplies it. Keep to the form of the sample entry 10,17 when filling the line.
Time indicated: 2,11
